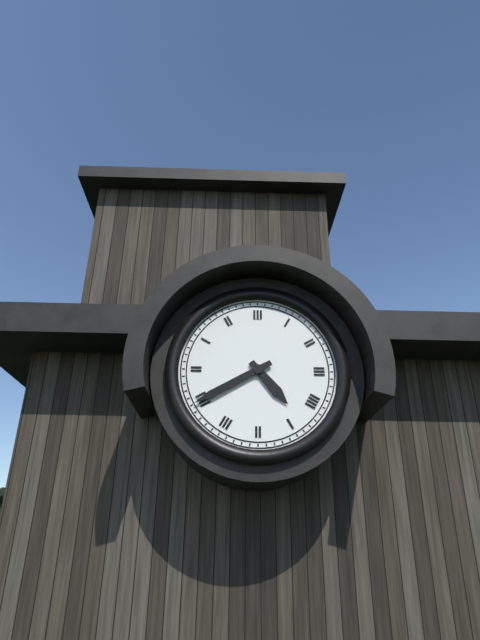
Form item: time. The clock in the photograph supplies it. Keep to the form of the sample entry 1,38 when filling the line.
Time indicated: 4,40
